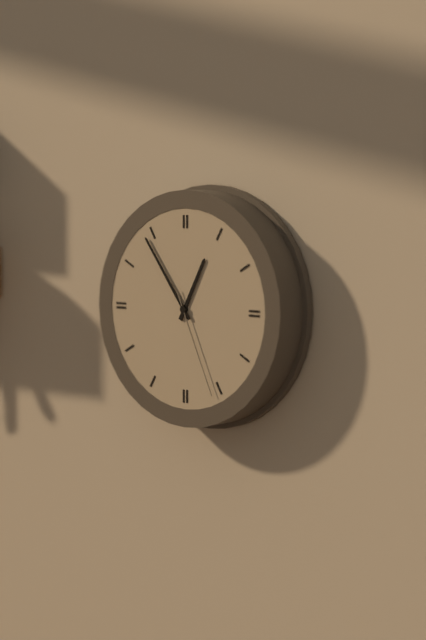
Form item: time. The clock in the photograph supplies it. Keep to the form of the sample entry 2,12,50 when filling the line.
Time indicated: 12,54,26
